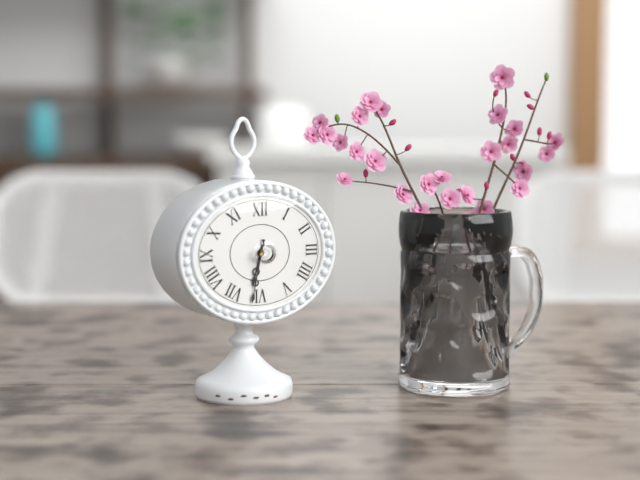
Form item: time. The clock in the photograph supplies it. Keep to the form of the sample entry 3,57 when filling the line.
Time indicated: 6,32
